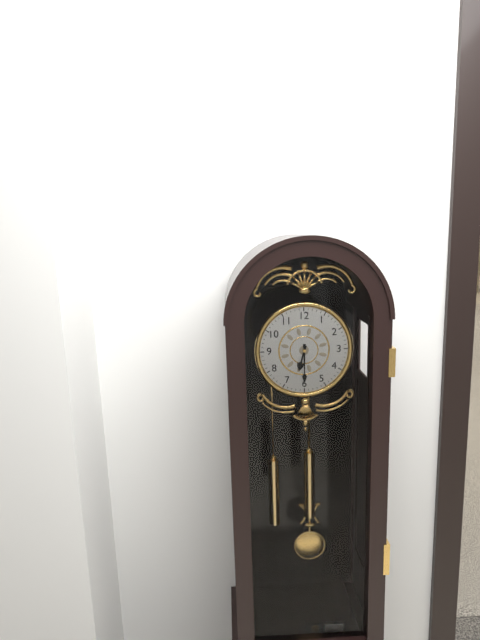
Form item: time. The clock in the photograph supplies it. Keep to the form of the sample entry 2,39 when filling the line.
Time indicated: 6,30
